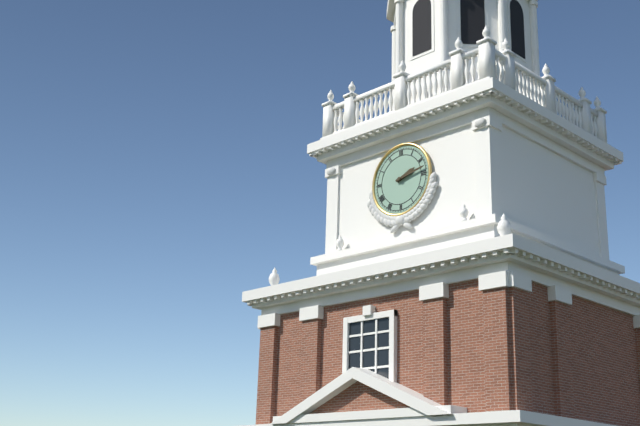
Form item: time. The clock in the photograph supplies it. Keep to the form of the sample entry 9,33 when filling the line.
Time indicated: 2,13
